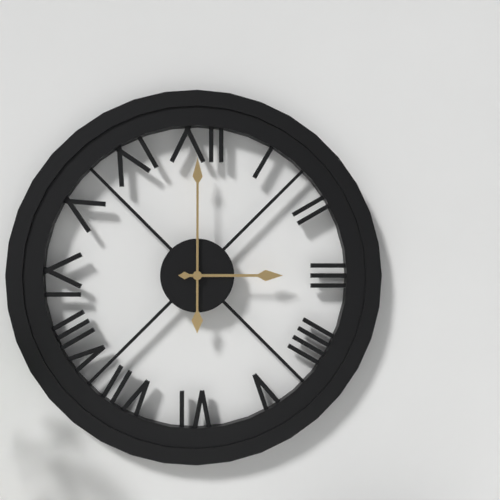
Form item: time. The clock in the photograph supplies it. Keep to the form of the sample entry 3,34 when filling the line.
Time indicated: 3,00
